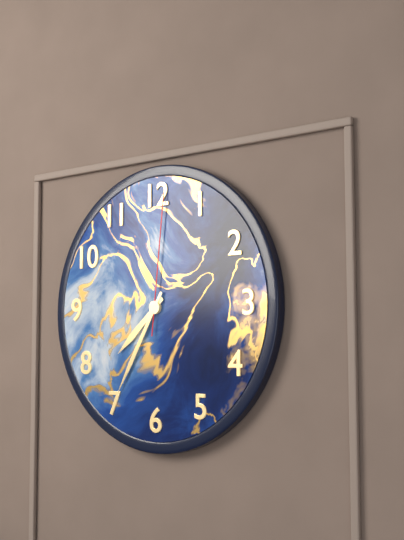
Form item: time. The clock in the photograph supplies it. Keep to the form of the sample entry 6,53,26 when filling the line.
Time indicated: 7,35,01
